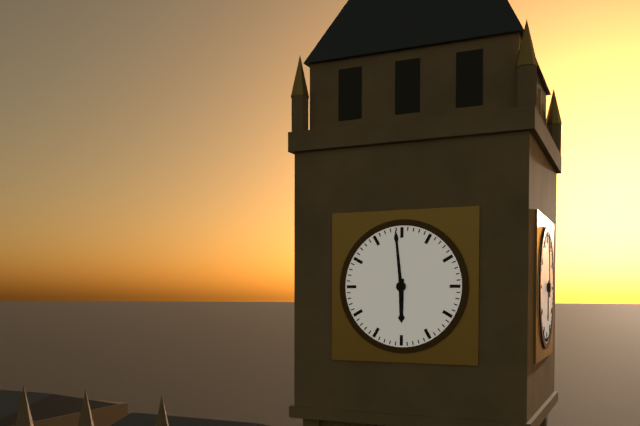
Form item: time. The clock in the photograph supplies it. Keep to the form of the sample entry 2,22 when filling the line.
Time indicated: 5,59
